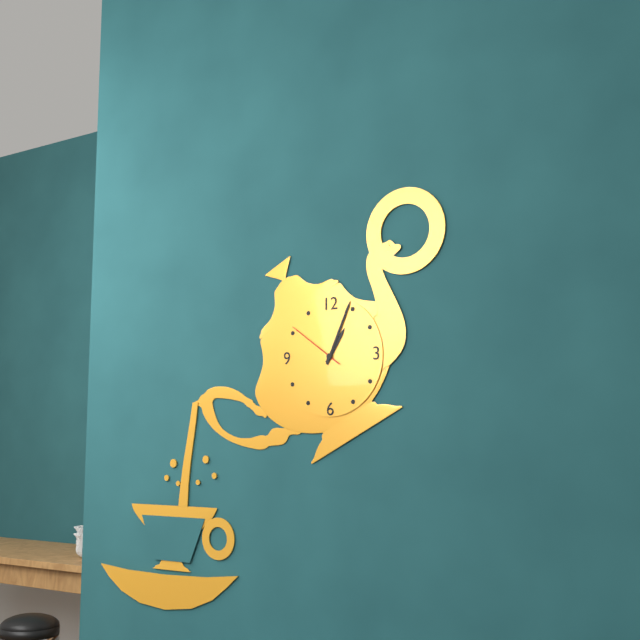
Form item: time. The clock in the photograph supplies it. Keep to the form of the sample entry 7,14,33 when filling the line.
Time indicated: 1,04,51
